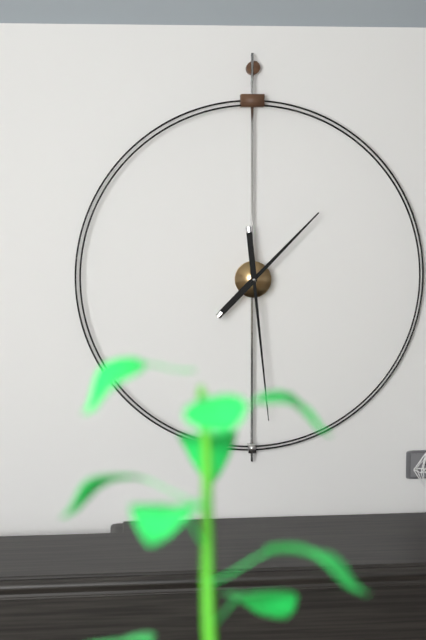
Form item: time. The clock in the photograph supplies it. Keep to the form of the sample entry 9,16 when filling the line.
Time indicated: 1,29
